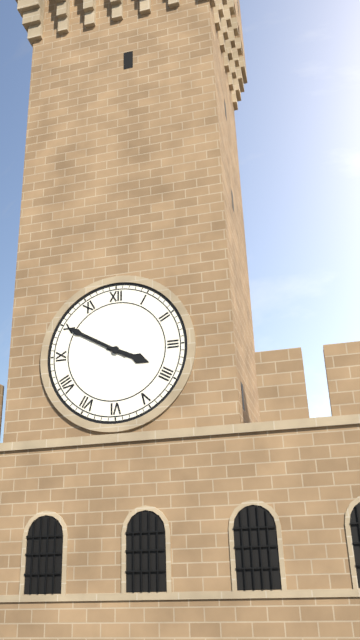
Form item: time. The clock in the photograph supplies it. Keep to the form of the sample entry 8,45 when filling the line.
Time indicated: 3,50
